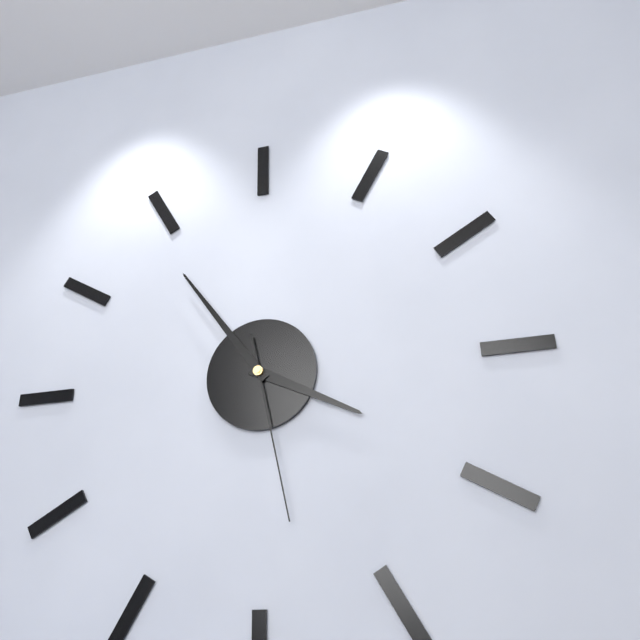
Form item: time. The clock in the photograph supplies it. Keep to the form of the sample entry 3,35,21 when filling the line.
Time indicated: 3,54,28
